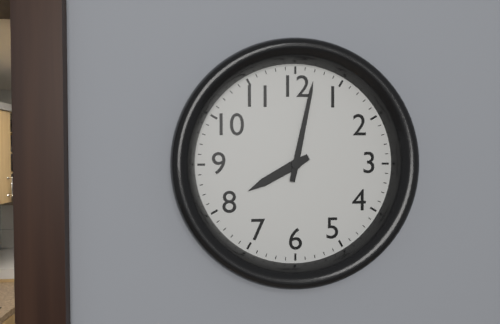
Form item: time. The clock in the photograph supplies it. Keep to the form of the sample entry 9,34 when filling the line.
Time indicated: 8,02
